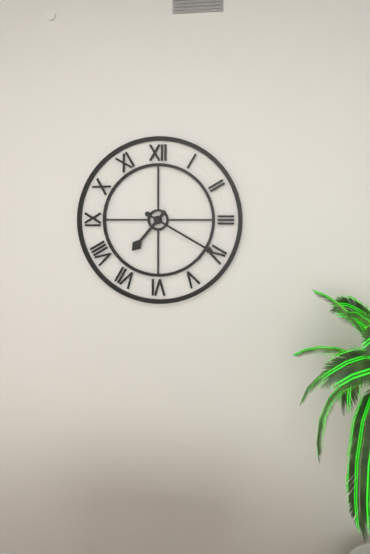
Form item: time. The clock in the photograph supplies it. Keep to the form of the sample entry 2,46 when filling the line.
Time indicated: 7,20
